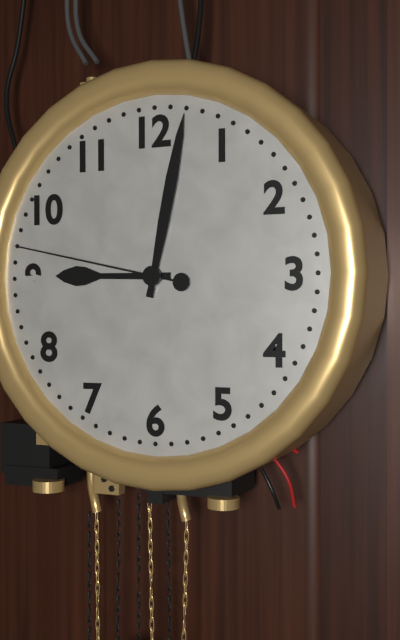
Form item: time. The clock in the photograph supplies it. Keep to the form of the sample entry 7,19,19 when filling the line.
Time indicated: 9,02,47
